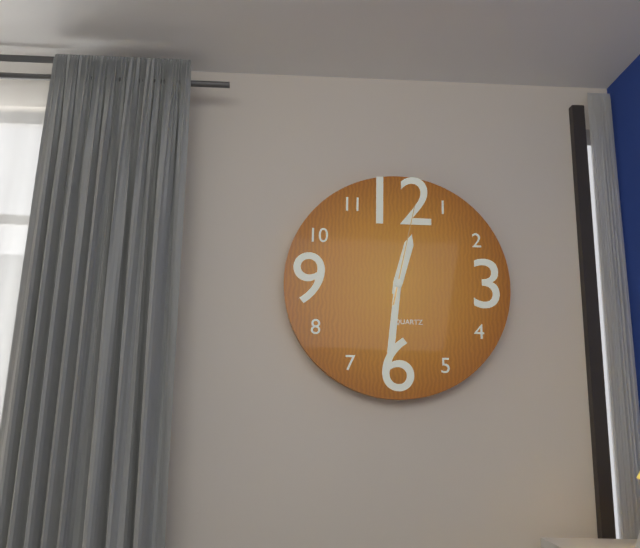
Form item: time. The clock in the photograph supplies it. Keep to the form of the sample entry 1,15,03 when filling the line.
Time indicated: 12,31,02
